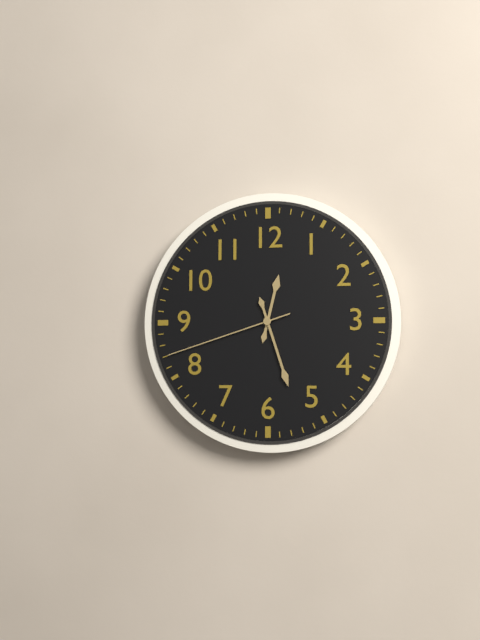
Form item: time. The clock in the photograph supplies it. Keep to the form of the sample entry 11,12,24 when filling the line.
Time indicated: 12,27,42
